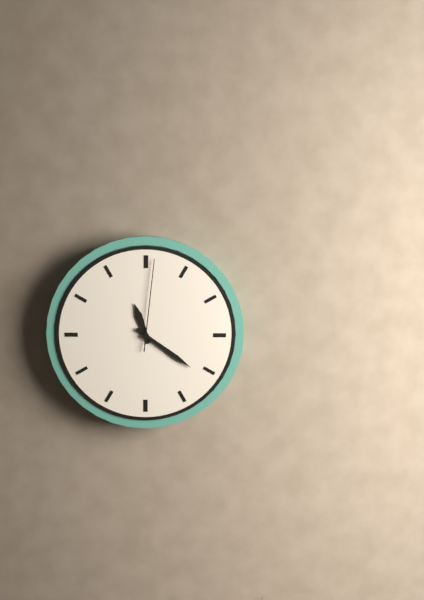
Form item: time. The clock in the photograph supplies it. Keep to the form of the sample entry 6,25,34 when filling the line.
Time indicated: 11,21,01
